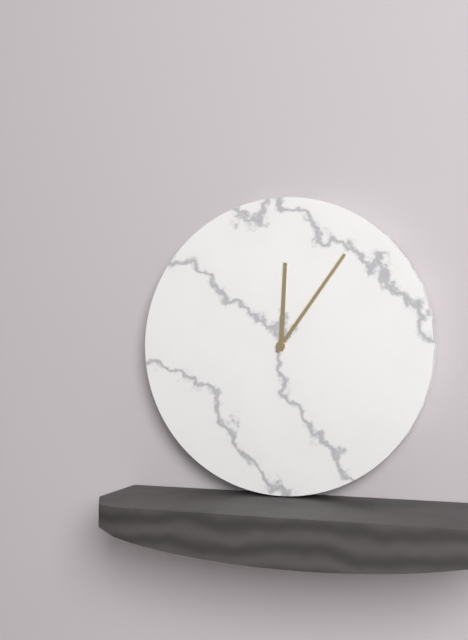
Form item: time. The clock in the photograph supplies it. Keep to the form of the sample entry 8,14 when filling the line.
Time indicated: 12,06
